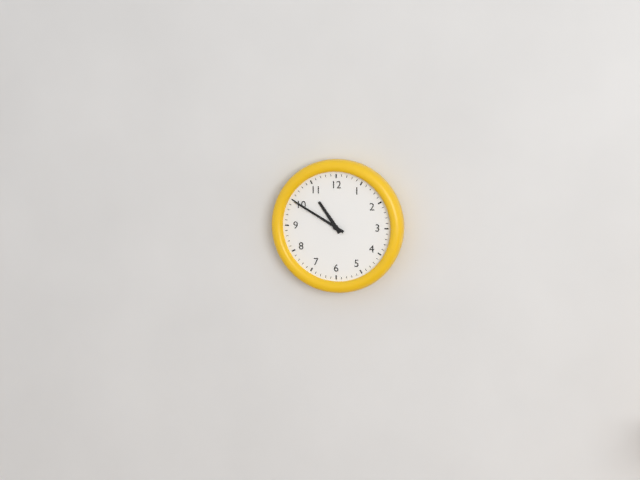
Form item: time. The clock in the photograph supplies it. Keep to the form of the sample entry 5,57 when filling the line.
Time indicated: 10,50
